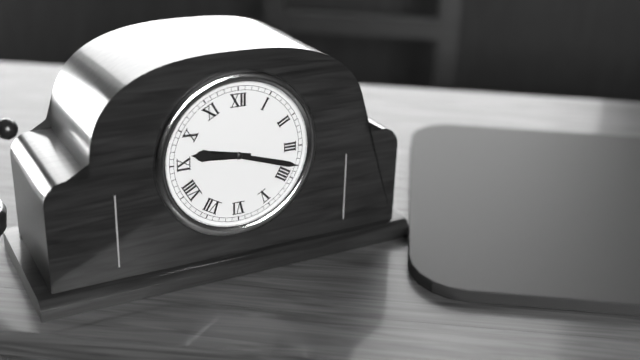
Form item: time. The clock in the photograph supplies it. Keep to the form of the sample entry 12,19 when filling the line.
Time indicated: 9,18
